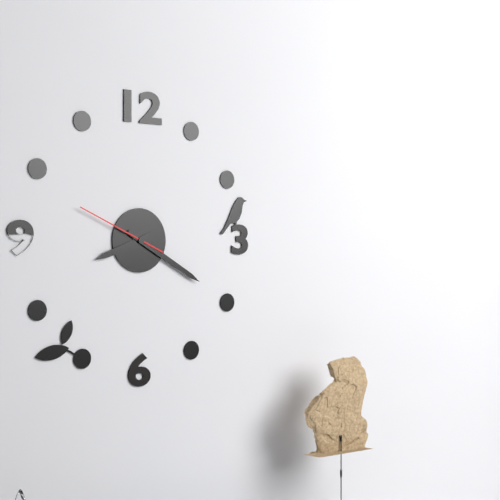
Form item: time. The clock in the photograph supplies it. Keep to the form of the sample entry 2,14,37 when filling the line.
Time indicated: 8,20,49
